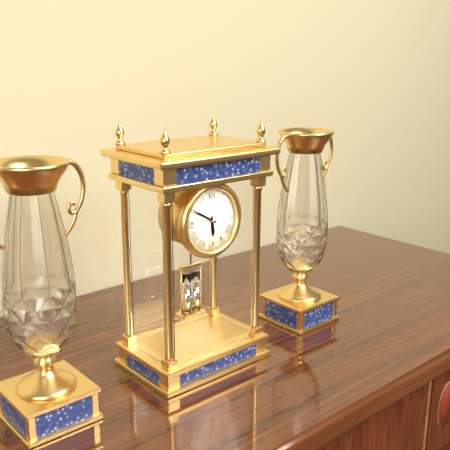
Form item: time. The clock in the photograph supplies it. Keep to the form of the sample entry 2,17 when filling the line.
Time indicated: 5,50
